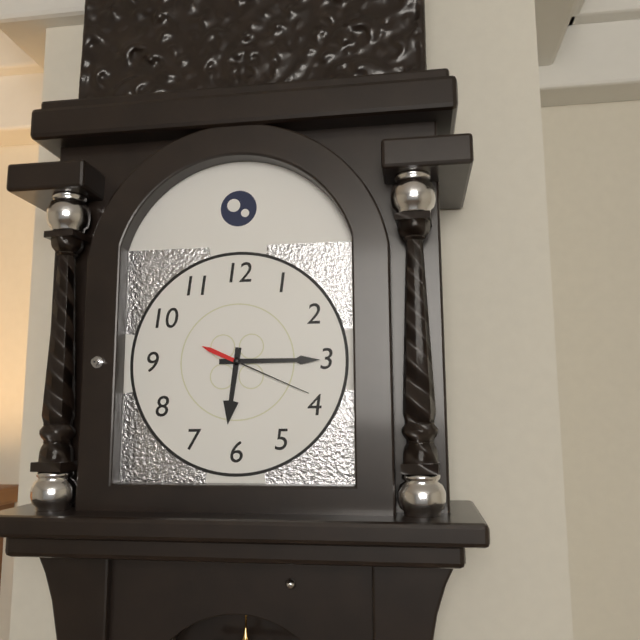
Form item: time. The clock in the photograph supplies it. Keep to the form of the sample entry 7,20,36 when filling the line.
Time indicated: 6,15,19
